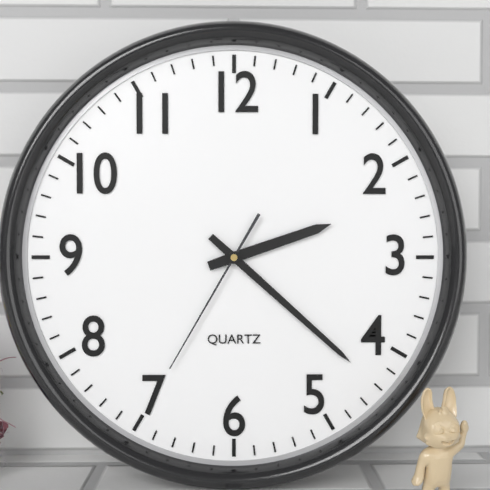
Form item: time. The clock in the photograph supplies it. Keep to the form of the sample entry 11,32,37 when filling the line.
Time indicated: 2,22,35
